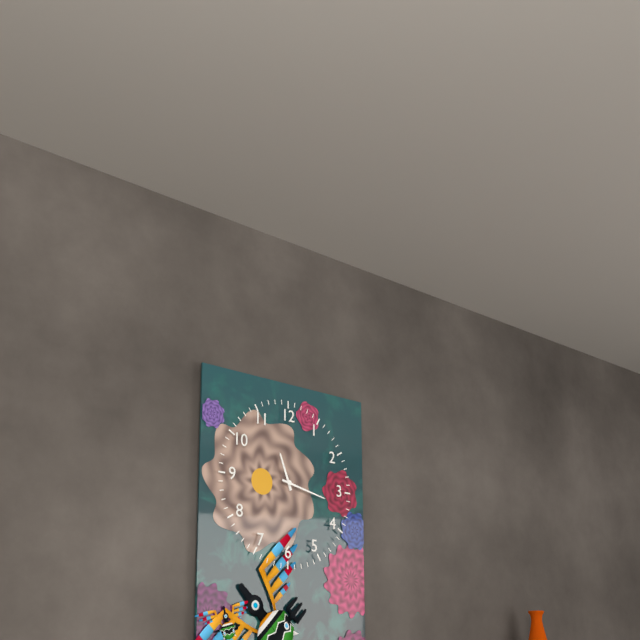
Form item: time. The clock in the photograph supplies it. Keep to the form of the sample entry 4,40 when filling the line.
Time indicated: 11,17
